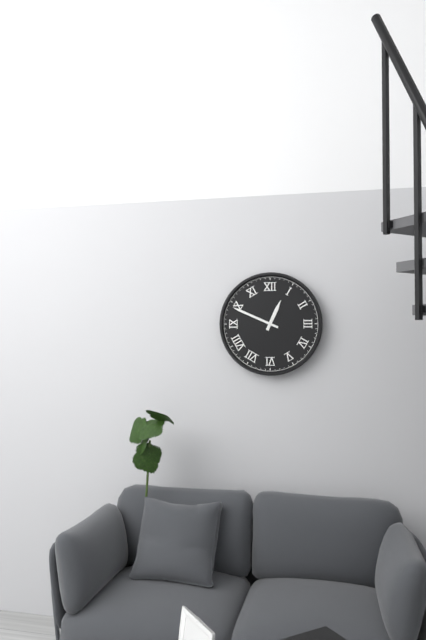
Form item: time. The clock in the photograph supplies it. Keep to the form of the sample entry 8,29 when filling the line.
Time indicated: 12,49
